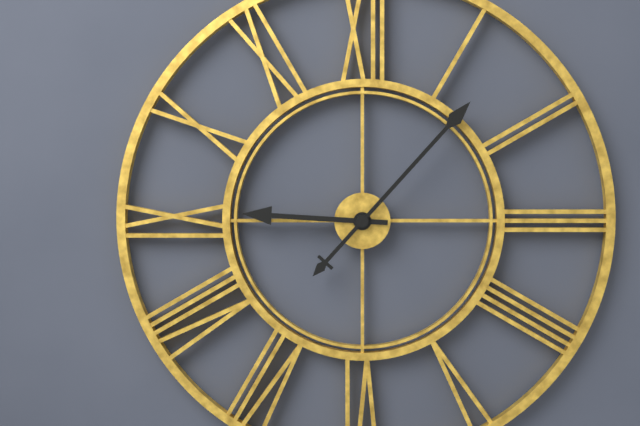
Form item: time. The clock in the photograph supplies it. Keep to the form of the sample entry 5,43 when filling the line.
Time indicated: 9,07
